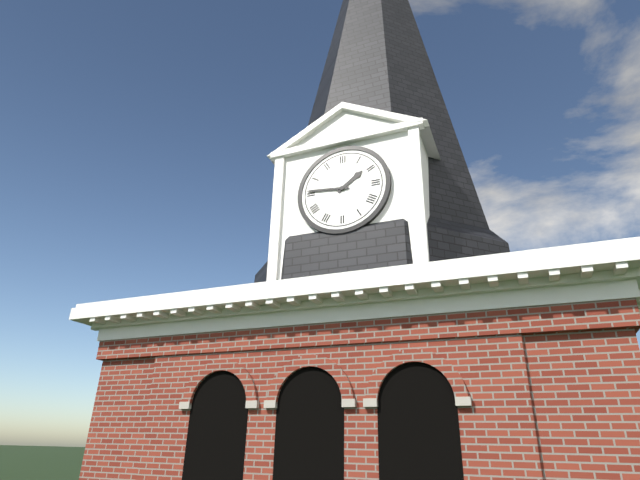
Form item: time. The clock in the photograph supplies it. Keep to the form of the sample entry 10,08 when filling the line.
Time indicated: 1,46
